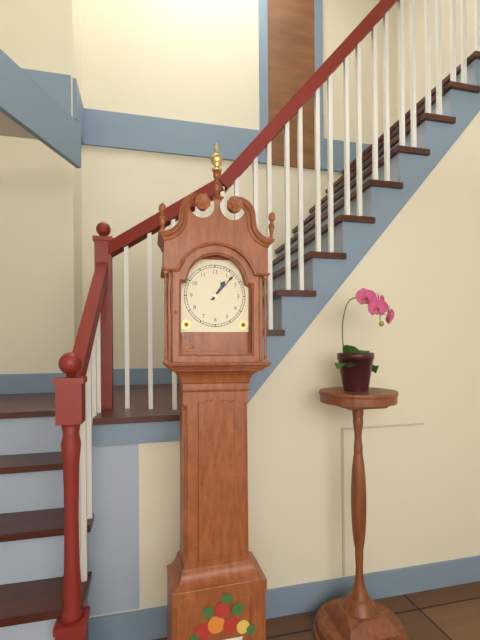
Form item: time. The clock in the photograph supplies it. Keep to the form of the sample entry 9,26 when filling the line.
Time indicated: 1,07
